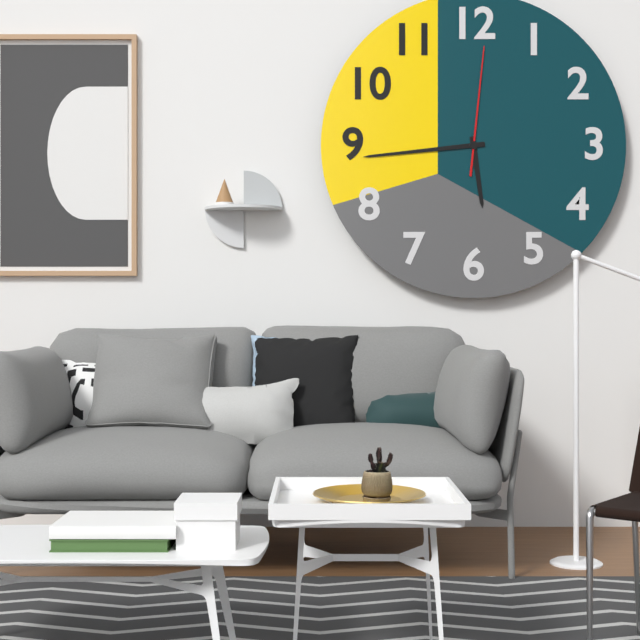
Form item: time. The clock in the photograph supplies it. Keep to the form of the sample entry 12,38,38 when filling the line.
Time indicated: 5,44,01
